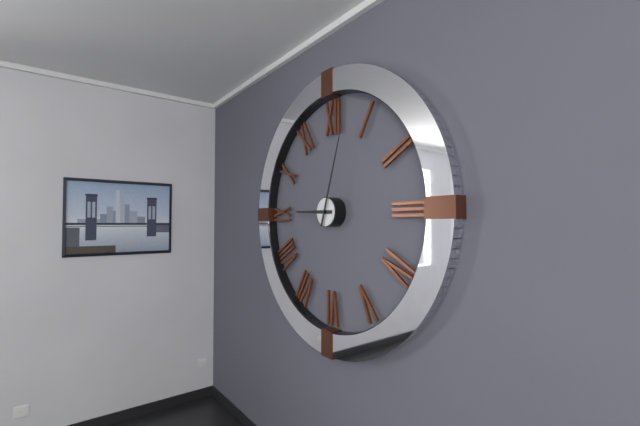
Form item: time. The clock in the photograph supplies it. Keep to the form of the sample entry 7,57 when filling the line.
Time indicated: 9,03
